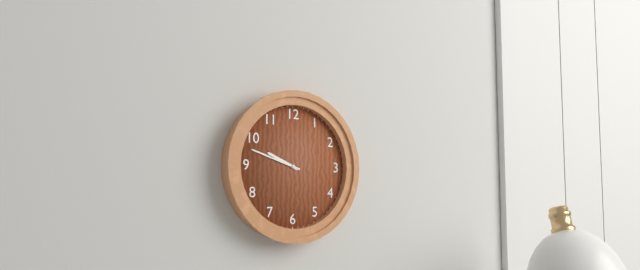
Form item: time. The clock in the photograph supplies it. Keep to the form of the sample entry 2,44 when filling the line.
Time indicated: 9,48
